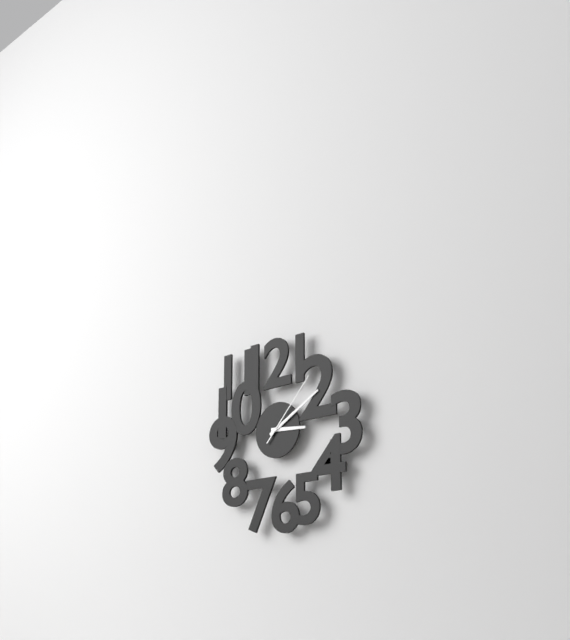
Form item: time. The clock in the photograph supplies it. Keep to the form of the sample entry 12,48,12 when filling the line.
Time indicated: 3,10,07
